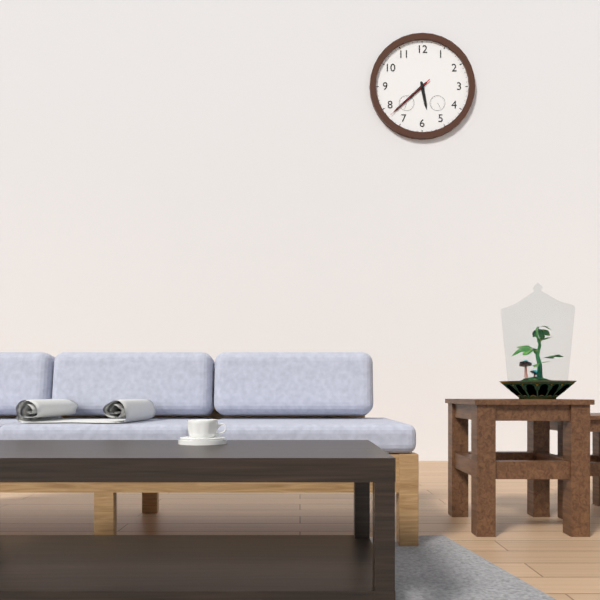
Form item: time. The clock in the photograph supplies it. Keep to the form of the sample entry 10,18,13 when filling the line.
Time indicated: 5,38,38
